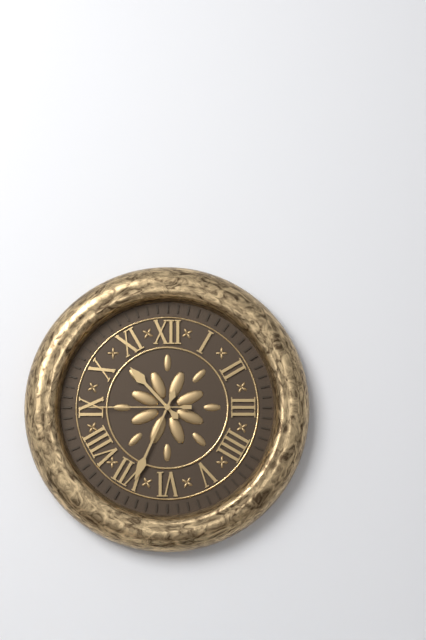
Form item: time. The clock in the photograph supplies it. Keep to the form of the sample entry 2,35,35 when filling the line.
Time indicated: 10,34,45
